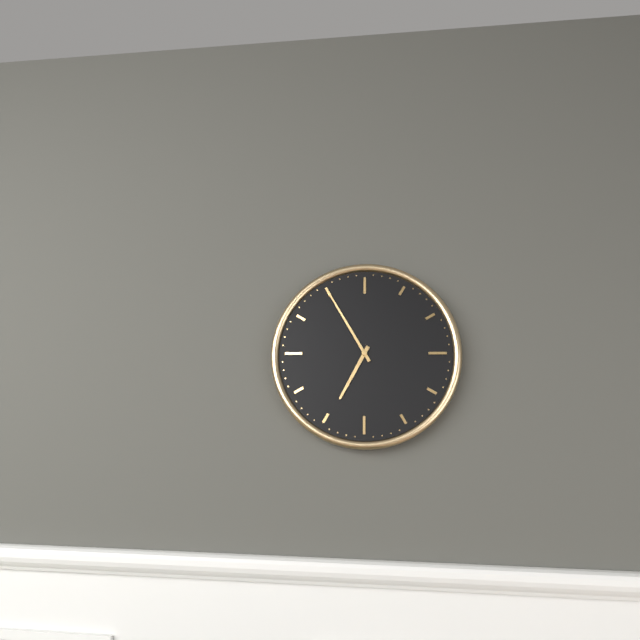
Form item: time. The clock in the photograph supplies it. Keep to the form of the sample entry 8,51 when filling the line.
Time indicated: 6,55
